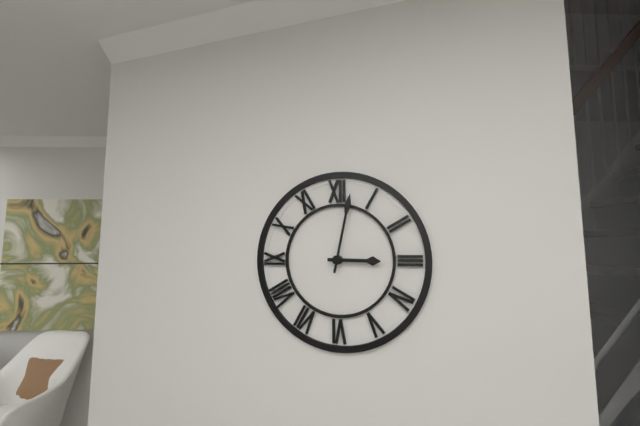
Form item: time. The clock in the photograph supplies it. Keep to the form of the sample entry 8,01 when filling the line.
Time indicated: 3,02
